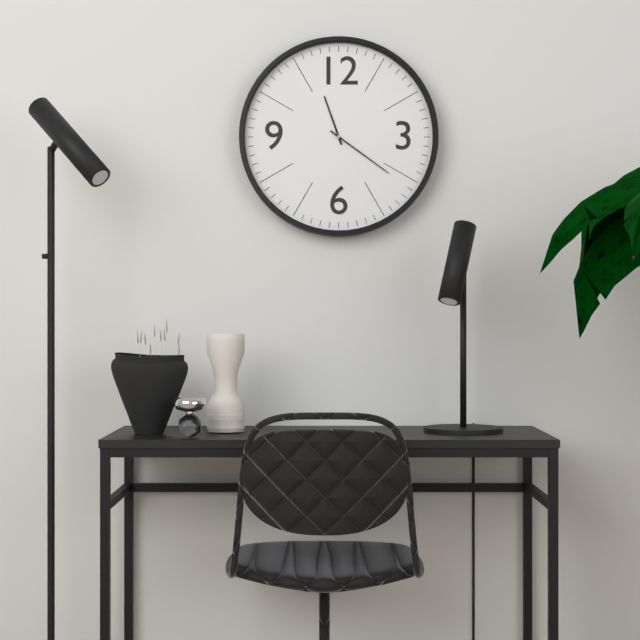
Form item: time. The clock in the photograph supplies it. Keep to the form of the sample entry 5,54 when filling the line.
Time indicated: 11,21
